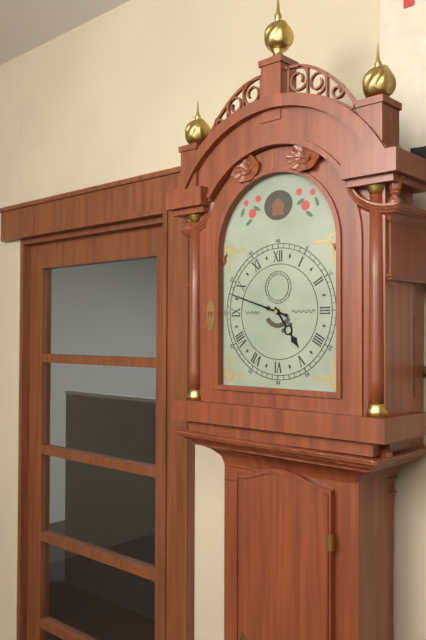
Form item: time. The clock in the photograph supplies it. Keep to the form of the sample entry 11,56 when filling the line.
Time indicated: 4,48
